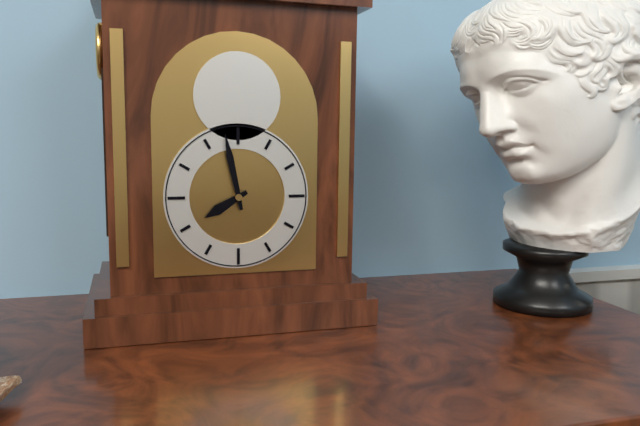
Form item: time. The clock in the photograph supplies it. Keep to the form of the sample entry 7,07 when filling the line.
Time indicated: 7,58
